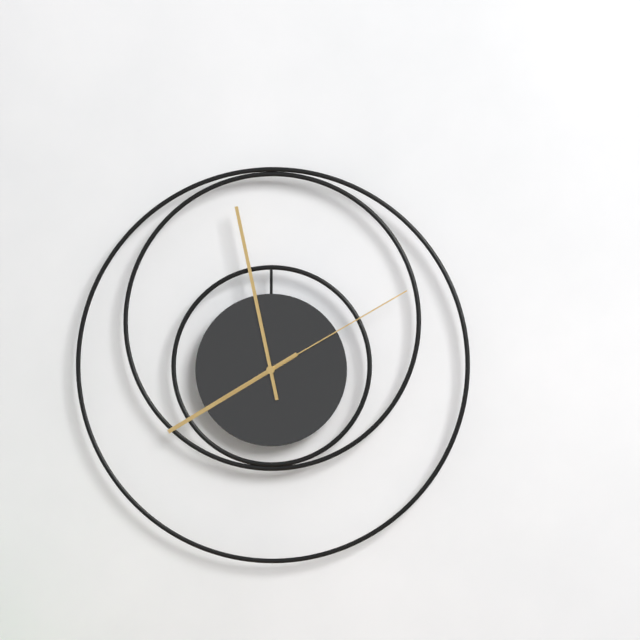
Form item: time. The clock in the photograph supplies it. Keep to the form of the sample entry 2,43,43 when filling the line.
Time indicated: 7,58,10
